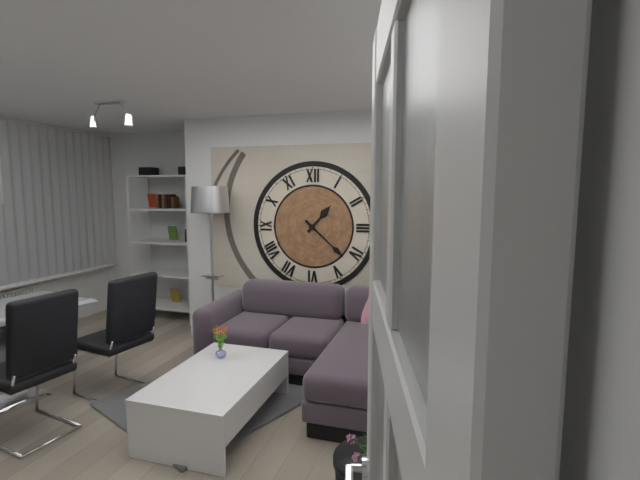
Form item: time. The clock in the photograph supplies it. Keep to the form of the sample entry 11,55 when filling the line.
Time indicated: 1,22
